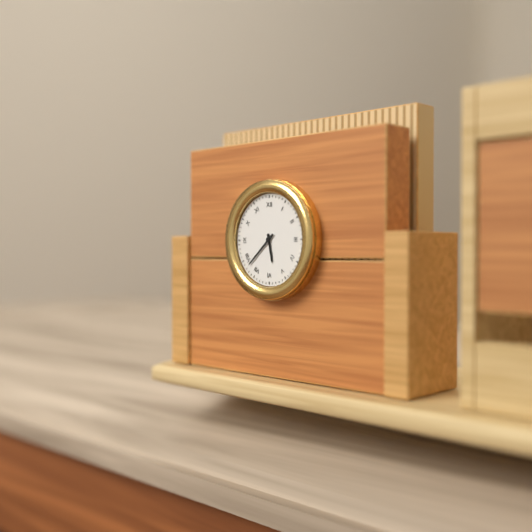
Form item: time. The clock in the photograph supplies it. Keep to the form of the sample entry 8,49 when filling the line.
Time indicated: 5,38
